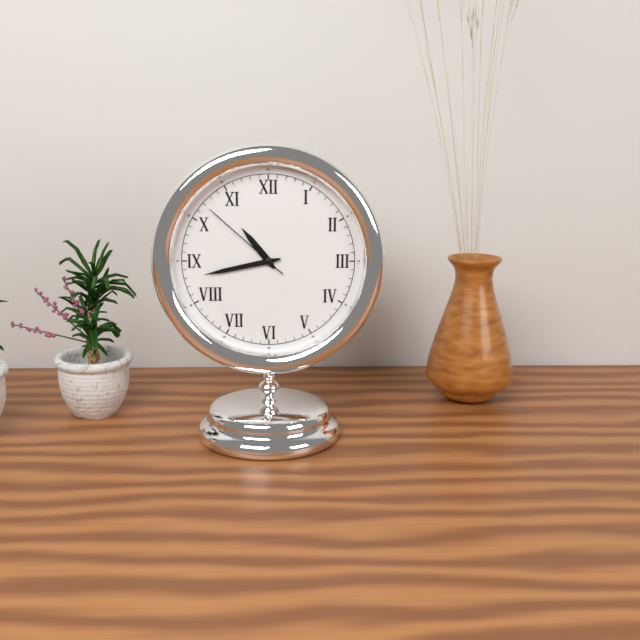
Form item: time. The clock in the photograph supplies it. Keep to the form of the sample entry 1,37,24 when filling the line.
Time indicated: 10,43,52
